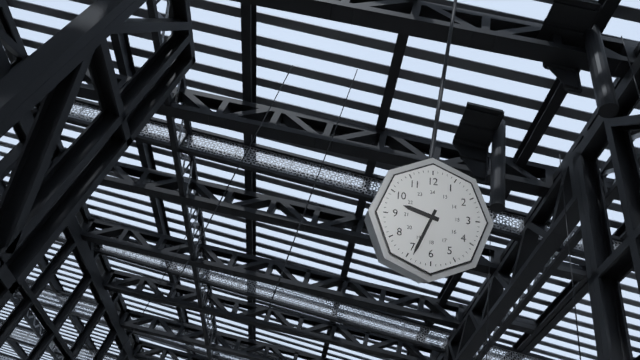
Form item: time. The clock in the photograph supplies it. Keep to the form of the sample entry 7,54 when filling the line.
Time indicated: 9,34
